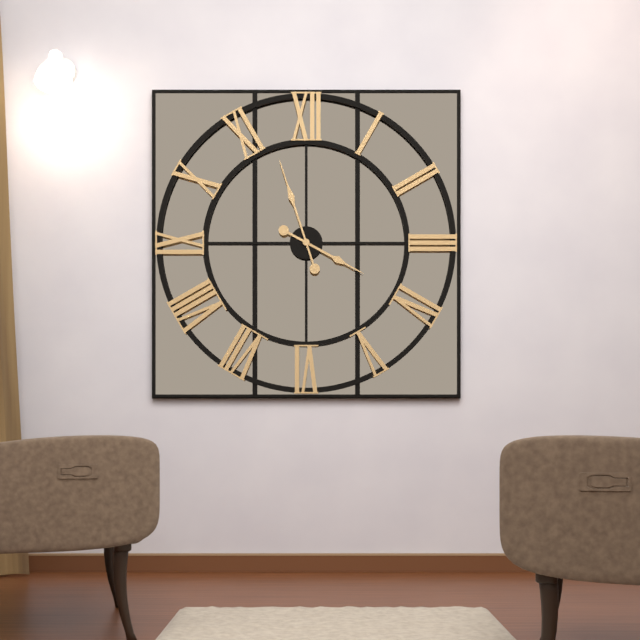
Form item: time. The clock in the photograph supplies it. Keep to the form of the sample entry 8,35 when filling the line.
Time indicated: 3,57
